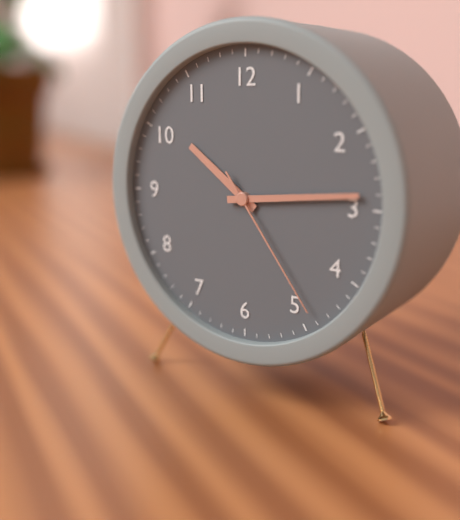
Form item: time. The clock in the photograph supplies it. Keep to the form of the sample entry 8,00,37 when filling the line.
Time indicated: 10,14,24
